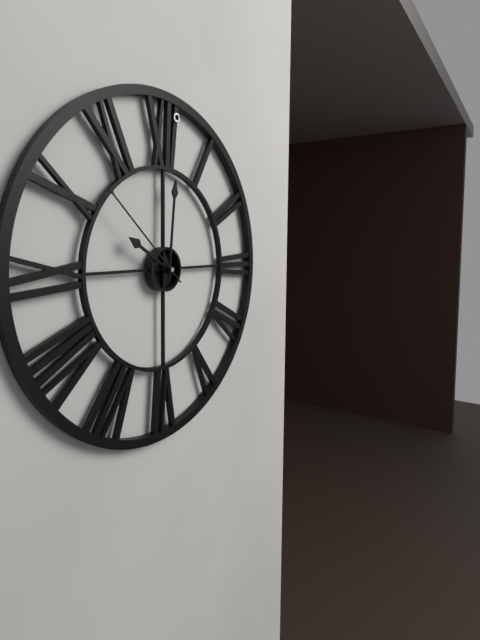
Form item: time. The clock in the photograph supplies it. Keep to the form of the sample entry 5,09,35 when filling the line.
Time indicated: 10,01,52
